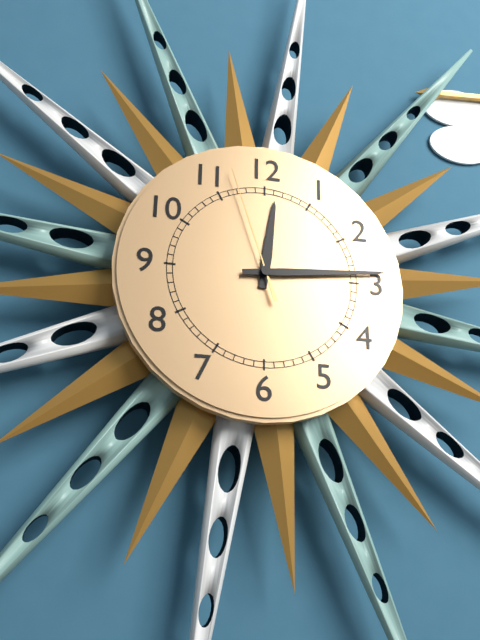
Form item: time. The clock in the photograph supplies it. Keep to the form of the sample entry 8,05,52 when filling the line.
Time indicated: 12,14,57
